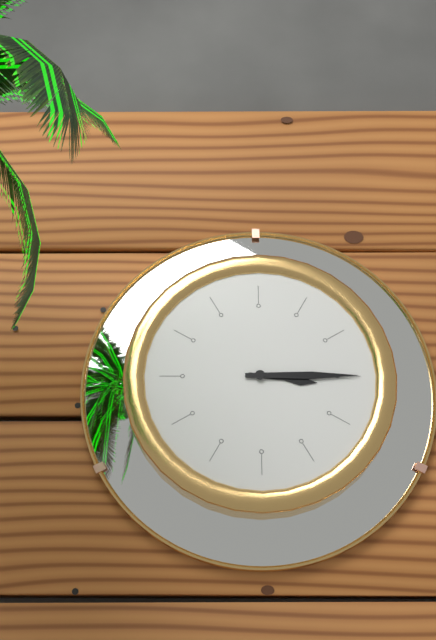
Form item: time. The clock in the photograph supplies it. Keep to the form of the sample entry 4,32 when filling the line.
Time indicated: 3,15
